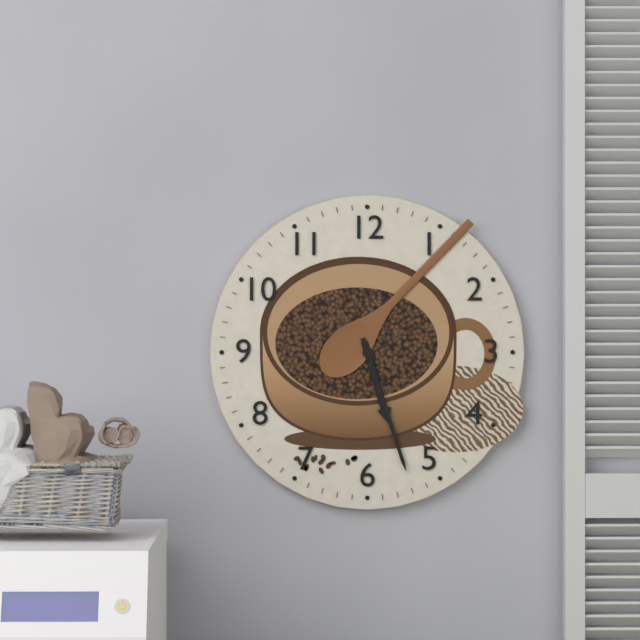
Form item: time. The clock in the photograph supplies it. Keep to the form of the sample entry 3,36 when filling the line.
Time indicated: 5,27
